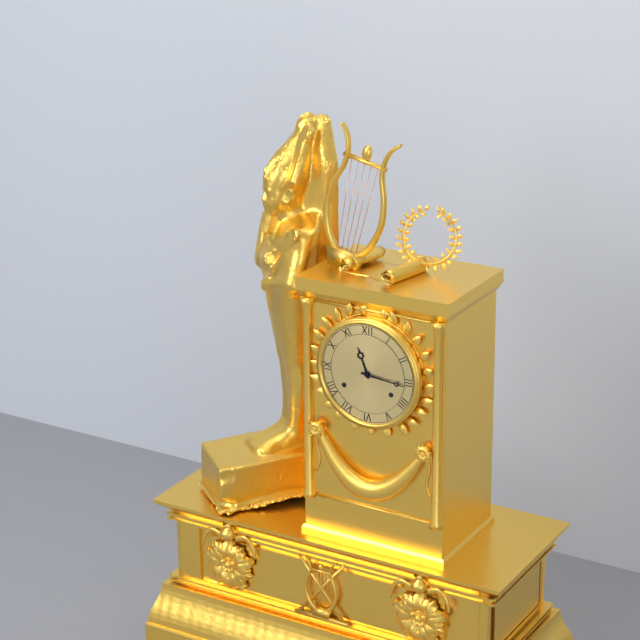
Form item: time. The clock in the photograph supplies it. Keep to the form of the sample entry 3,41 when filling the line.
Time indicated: 11,16
